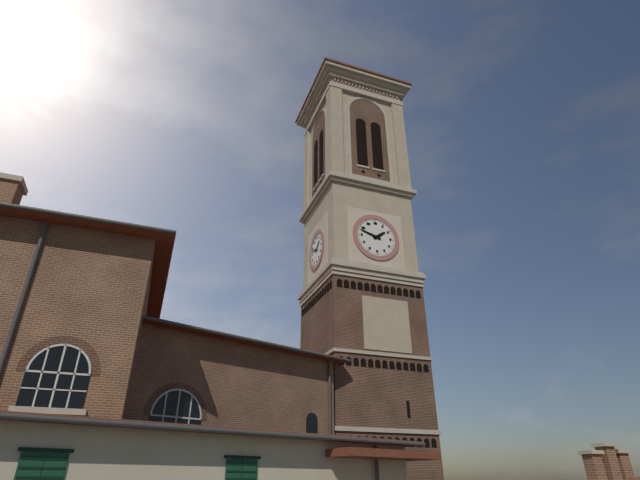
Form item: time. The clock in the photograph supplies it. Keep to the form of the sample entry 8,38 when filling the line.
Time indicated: 1,48
